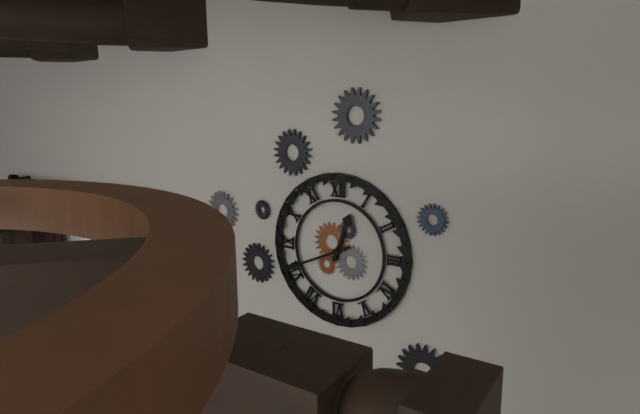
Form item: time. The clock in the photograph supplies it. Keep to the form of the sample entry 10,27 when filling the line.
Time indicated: 12,41
